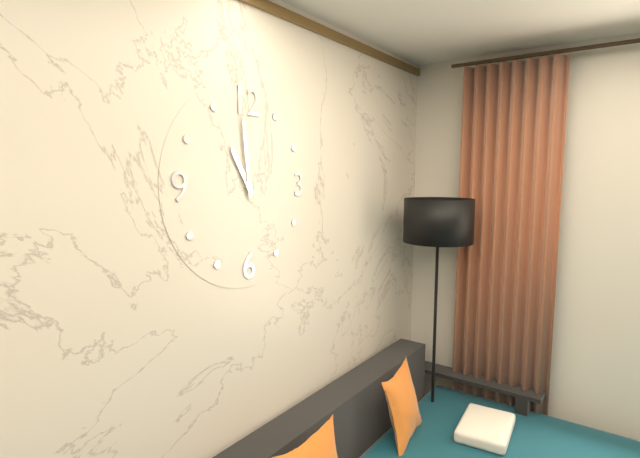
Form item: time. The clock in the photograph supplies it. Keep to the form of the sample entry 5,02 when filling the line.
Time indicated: 10,59
